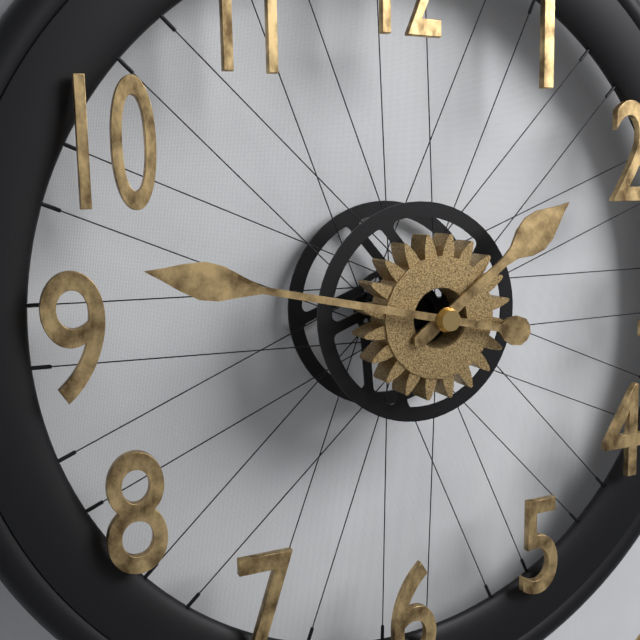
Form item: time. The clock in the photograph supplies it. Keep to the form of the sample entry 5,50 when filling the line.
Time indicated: 1,47
